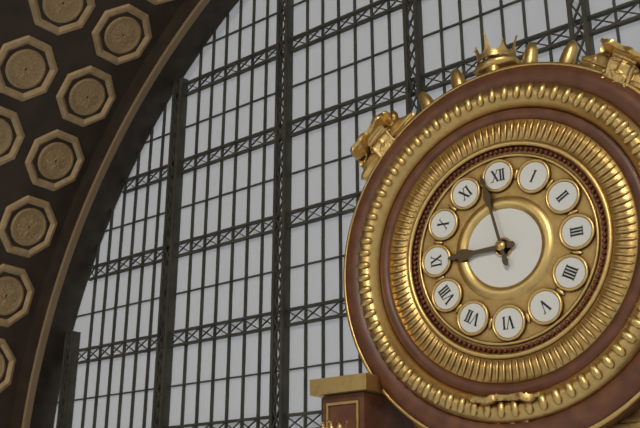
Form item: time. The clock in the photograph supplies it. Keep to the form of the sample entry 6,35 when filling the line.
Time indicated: 8,58
